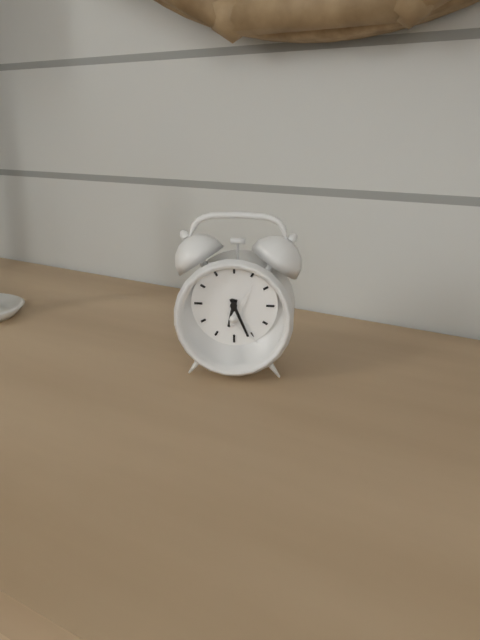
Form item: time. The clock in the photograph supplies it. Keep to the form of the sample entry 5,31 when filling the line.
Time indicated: 6,26
